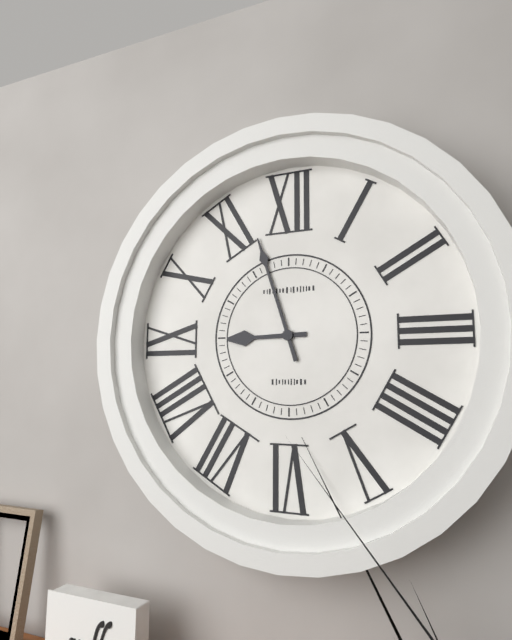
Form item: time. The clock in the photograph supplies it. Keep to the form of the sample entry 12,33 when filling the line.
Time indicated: 8,57
